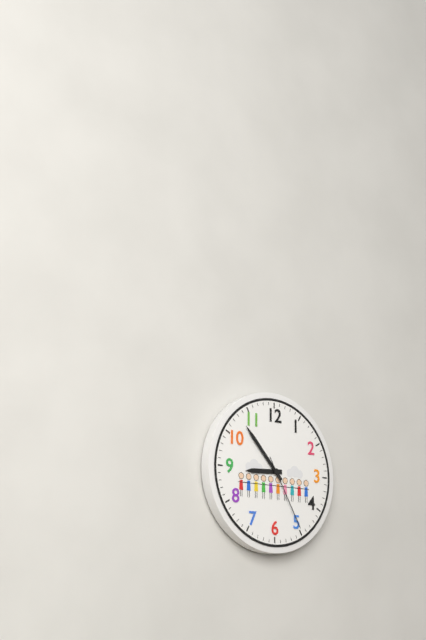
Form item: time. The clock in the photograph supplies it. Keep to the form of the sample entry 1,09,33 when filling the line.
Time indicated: 8,53,25
